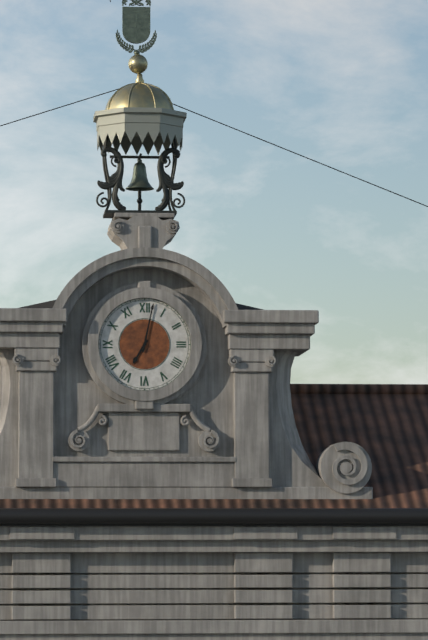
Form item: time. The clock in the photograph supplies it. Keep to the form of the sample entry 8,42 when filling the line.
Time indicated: 7,02
